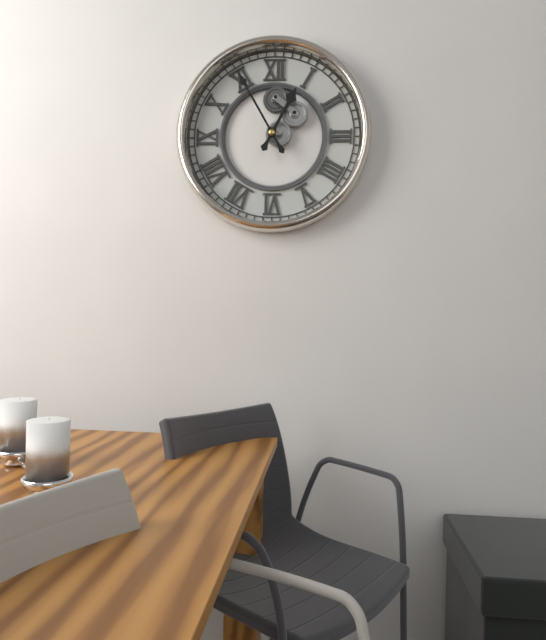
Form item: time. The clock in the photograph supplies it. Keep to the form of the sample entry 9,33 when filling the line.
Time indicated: 12,55
